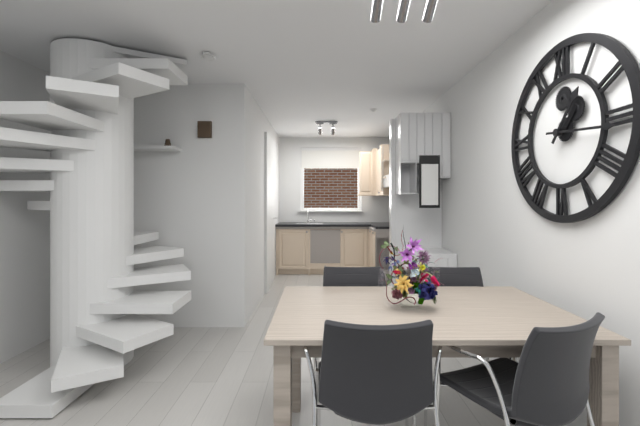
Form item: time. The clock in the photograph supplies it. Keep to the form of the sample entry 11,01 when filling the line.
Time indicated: 1,16
